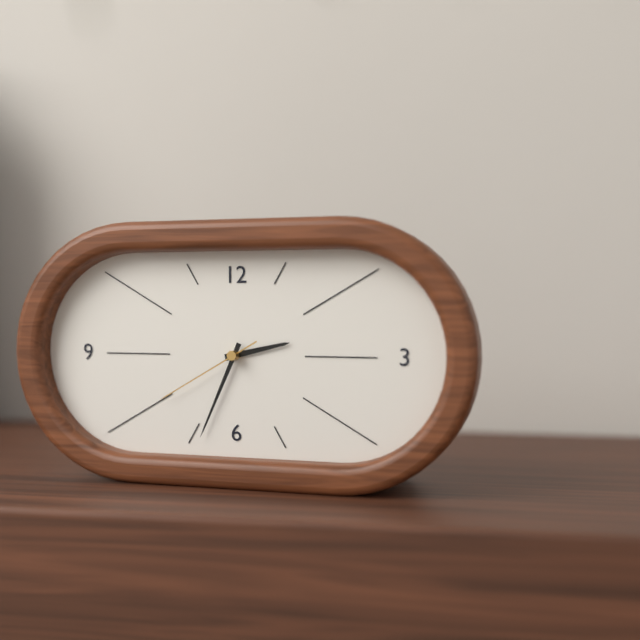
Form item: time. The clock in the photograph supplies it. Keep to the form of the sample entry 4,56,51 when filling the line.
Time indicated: 2,34,40
